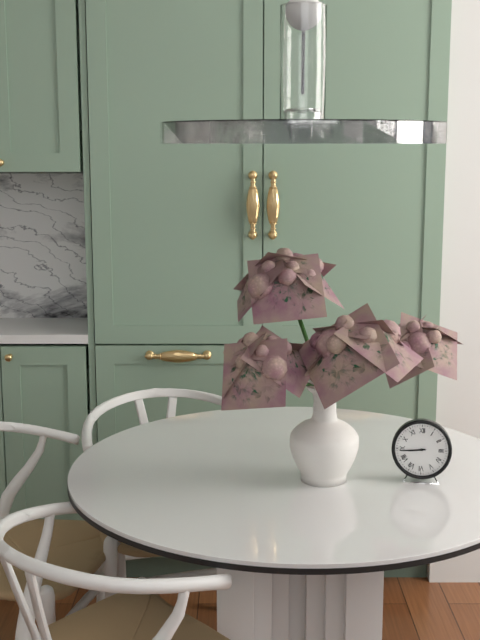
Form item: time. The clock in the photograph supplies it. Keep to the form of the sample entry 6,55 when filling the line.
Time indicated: 8,44
